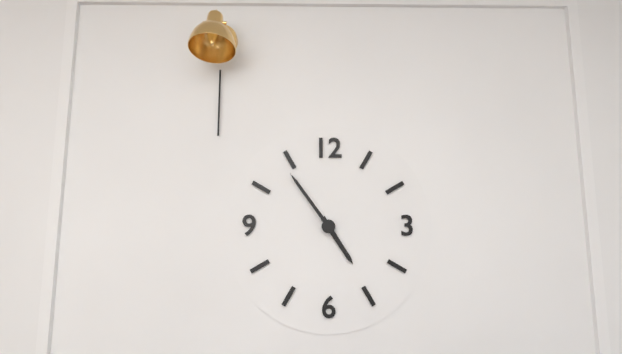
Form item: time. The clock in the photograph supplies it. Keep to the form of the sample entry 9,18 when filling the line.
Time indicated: 4,54
